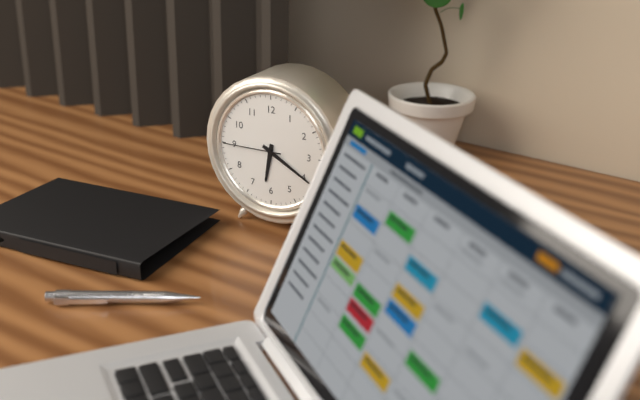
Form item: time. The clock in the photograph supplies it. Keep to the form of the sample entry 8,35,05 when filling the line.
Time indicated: 6,20,45
